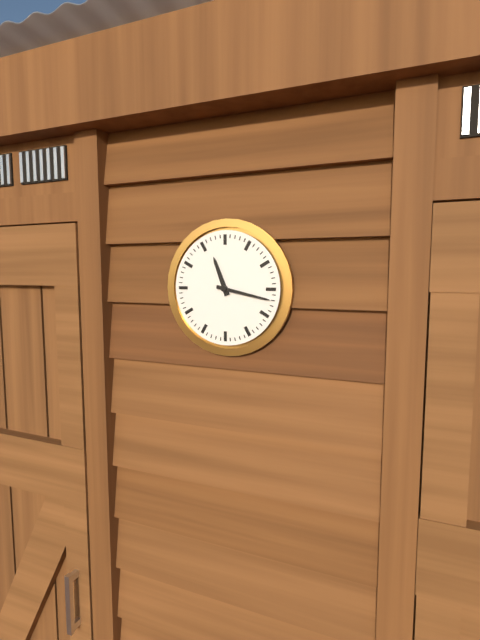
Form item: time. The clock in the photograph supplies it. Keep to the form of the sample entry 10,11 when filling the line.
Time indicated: 11,17
